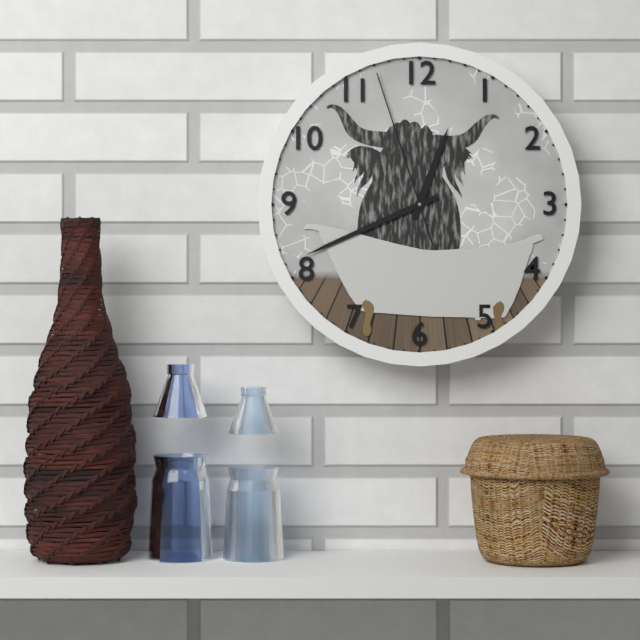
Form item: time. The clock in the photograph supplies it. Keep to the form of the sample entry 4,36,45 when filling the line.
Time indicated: 12,41,57
